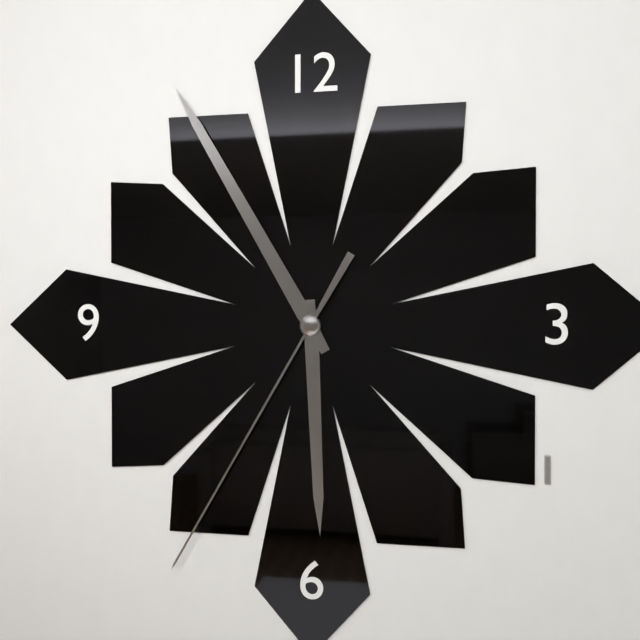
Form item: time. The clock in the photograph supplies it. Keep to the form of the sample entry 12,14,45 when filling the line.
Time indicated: 5,55,35
